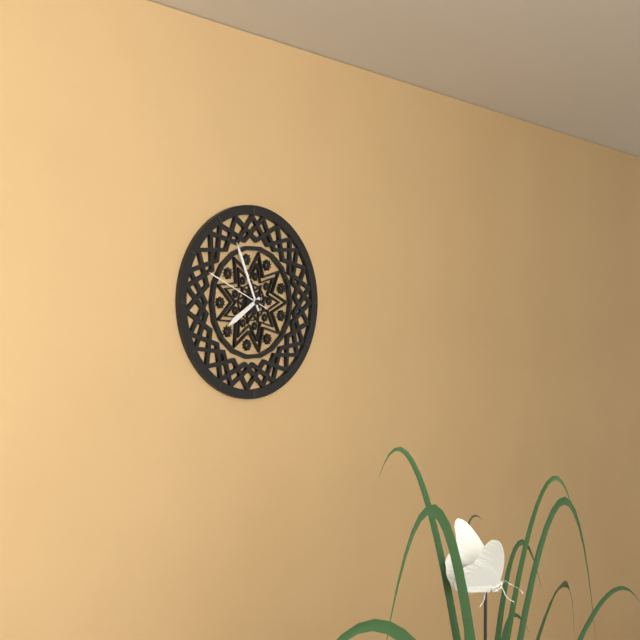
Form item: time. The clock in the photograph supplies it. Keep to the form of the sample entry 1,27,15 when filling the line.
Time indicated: 7,56,49
